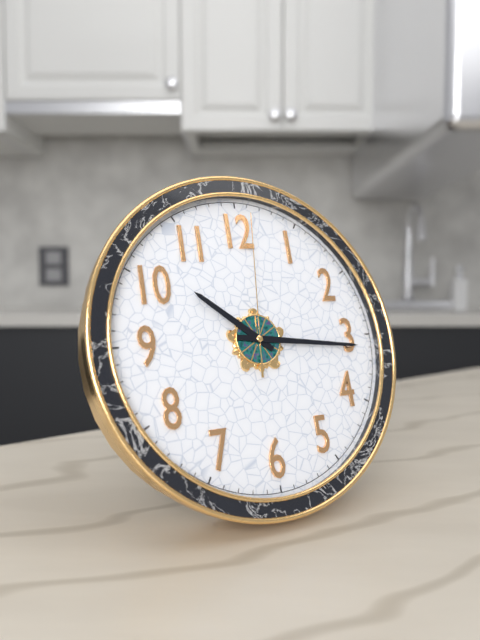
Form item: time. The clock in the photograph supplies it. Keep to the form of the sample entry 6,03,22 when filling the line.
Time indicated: 10,16,01
